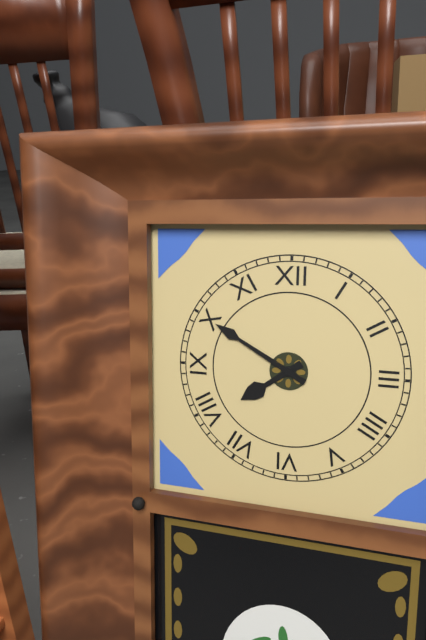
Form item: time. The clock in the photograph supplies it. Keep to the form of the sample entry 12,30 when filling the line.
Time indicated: 7,50
